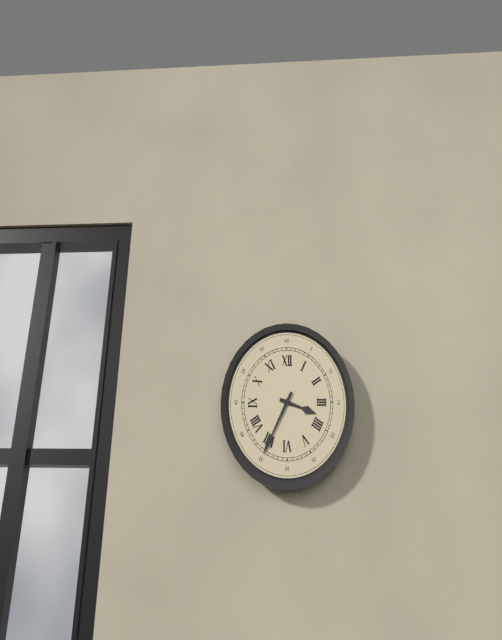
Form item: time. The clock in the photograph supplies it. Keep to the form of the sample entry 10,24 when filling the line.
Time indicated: 3,35
